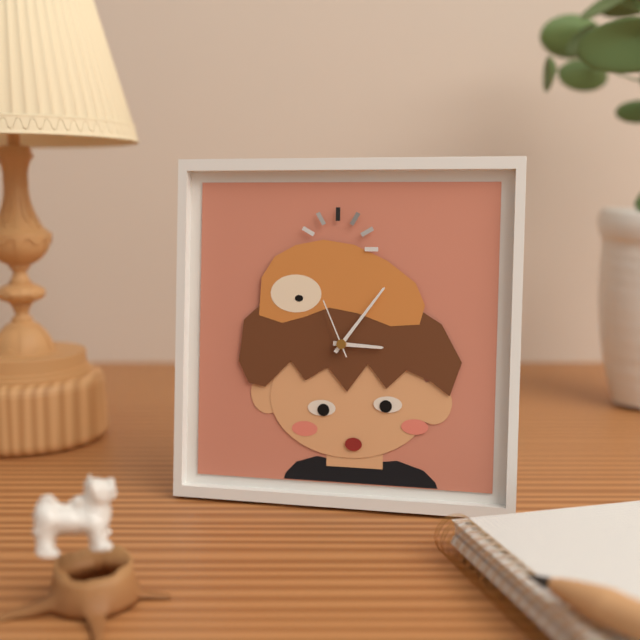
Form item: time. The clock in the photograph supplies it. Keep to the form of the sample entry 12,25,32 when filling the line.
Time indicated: 3,06,56
